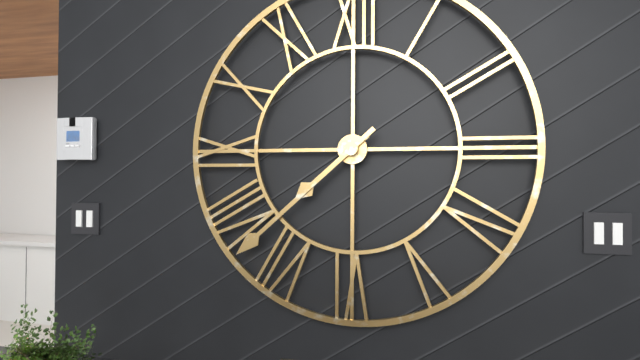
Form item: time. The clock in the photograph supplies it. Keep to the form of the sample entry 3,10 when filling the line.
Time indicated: 7,38
